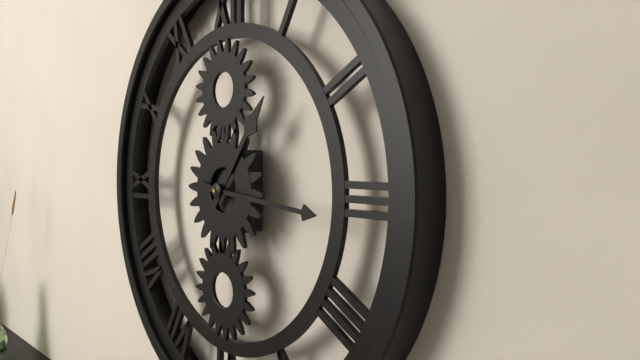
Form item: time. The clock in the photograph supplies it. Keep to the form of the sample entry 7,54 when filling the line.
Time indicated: 1,16
